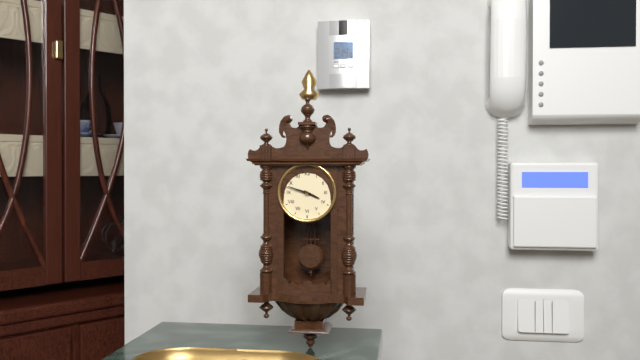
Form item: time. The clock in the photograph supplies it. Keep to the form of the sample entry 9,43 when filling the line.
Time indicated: 3,48
